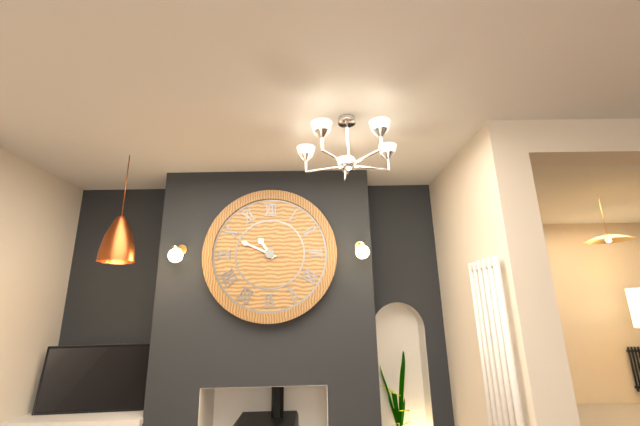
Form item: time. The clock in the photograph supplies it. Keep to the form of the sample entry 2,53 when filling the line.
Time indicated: 10,49
